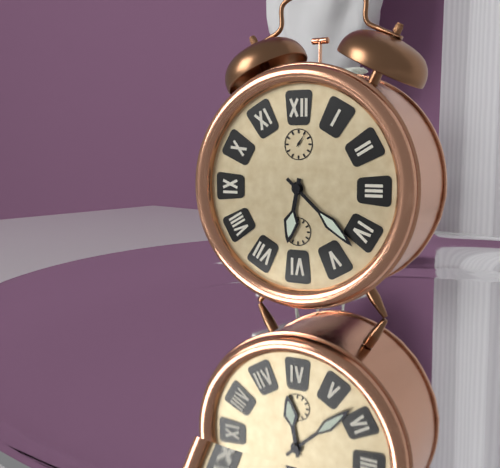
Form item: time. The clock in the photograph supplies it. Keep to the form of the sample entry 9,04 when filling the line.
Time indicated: 6,22
